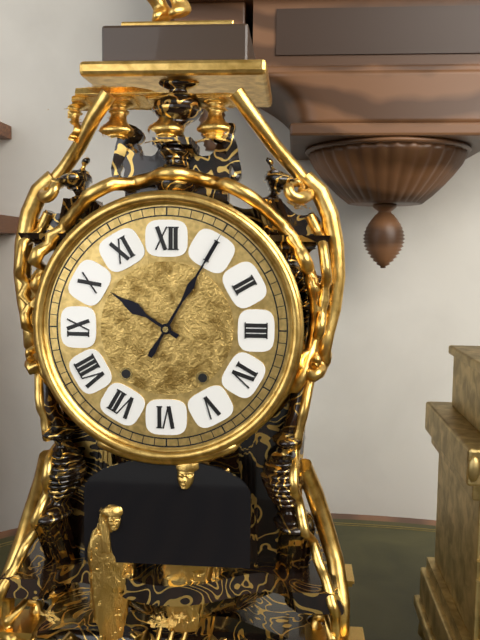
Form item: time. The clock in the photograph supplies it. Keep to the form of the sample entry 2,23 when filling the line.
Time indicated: 10,05
